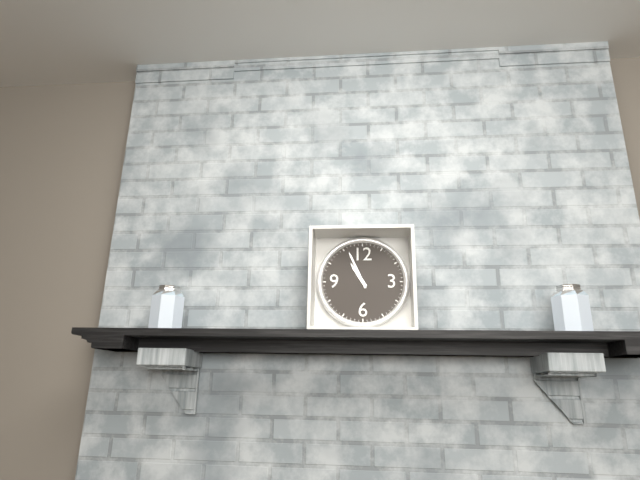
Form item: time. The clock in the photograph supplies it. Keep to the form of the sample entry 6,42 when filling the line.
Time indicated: 10,56
